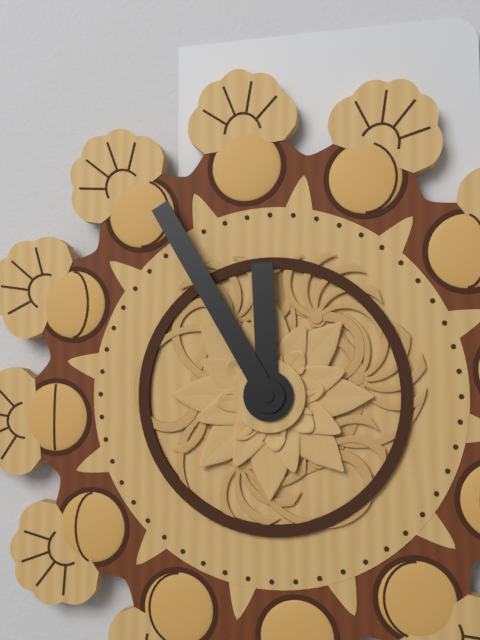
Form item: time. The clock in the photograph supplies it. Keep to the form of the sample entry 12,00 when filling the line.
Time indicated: 11,55
